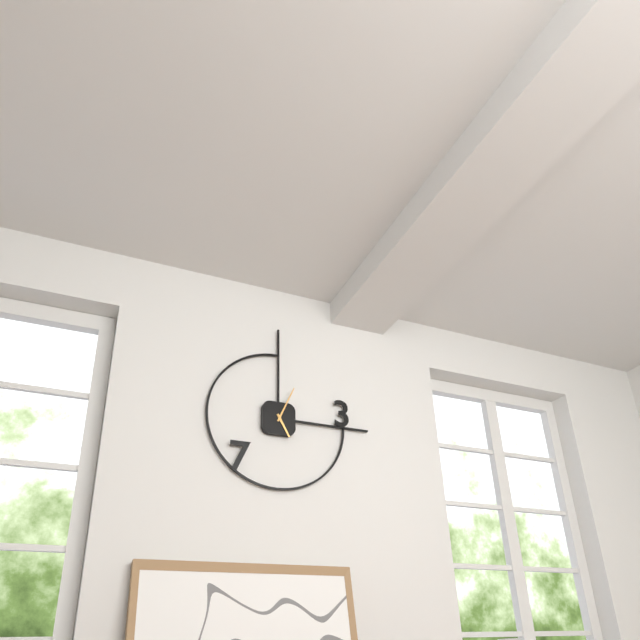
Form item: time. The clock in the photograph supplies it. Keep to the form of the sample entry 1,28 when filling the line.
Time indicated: 5,04
